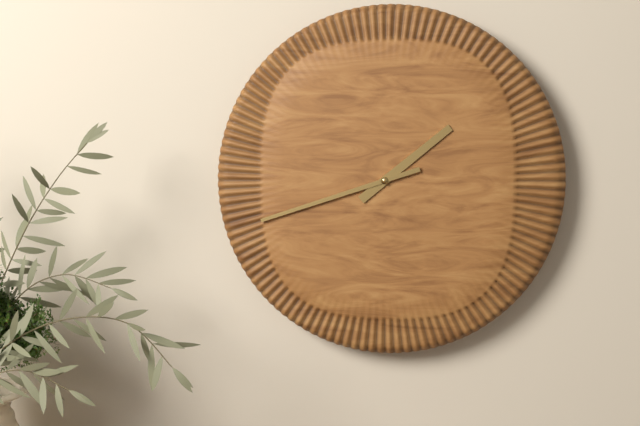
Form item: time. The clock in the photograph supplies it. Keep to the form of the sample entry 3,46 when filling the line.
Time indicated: 1,42
